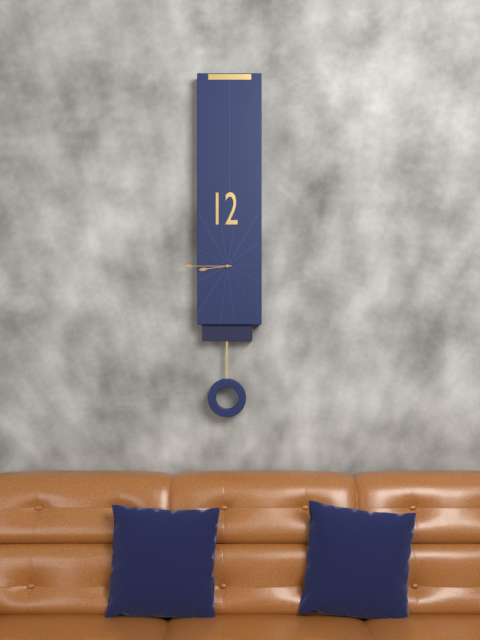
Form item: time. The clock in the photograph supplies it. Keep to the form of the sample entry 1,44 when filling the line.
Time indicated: 8,45
